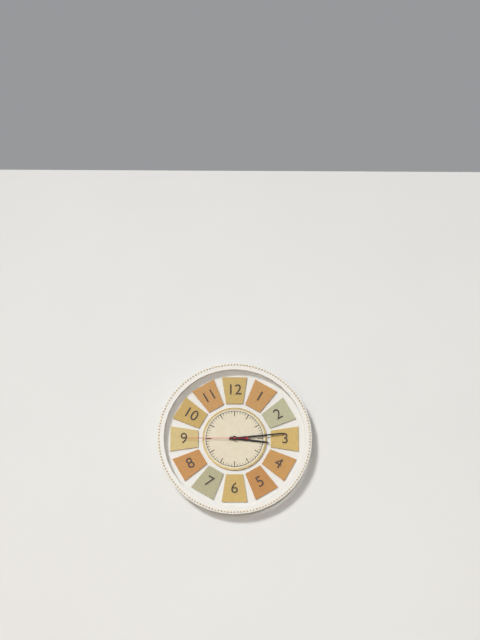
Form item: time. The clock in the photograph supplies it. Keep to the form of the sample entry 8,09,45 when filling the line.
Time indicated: 3,14,45
